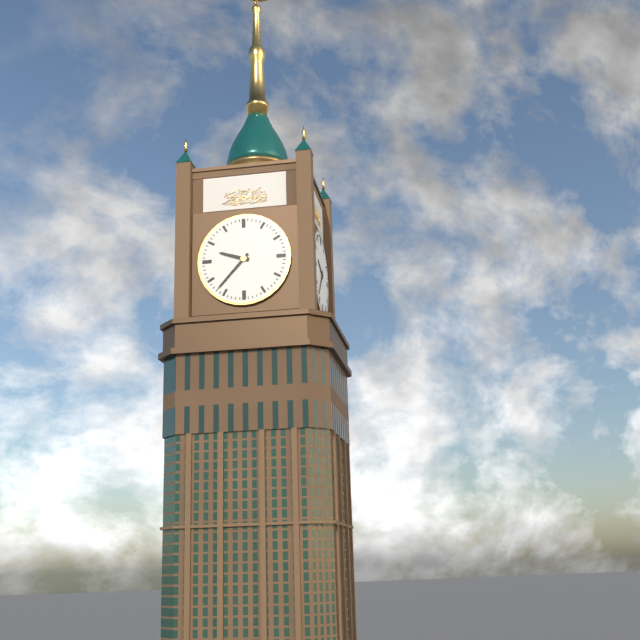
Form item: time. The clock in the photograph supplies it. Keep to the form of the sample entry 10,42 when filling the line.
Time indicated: 9,37
